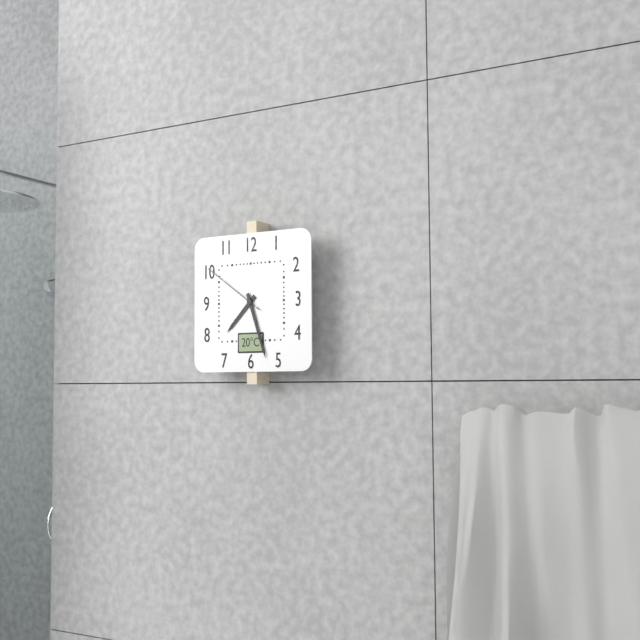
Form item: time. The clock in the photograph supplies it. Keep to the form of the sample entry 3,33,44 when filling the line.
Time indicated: 7,27,51
